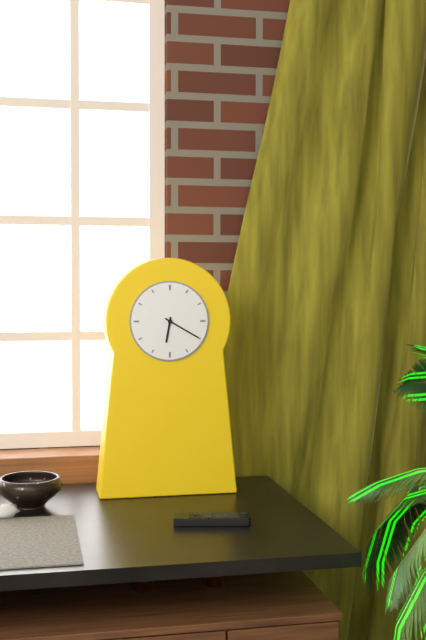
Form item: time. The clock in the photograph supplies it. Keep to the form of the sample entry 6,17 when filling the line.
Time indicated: 6,20
